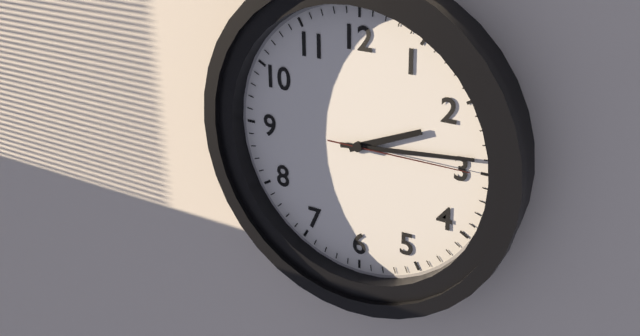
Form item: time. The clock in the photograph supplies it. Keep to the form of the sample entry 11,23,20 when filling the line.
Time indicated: 2,14,15
